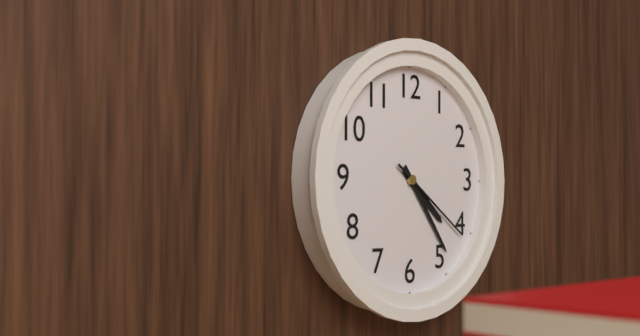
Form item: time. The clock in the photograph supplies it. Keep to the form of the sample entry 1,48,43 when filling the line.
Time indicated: 4,24,21
